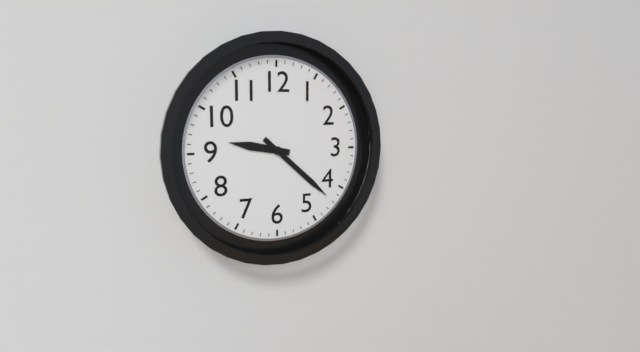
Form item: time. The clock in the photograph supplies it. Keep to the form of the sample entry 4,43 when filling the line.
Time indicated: 9,22
